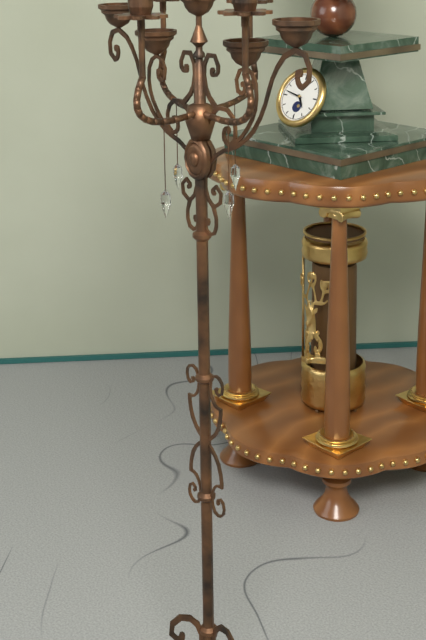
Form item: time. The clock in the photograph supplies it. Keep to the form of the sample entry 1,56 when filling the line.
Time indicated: 4,47
